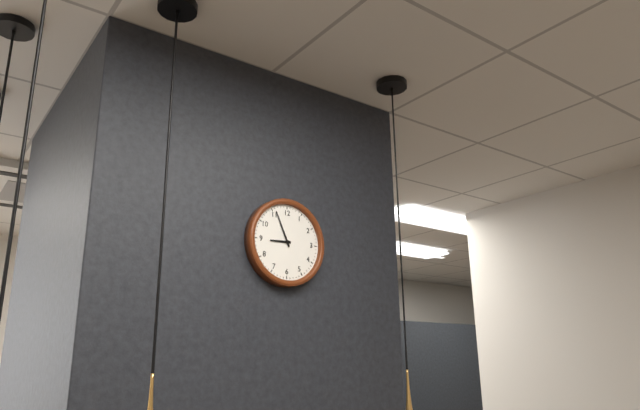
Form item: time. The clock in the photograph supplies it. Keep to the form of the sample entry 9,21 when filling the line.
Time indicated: 8,56
